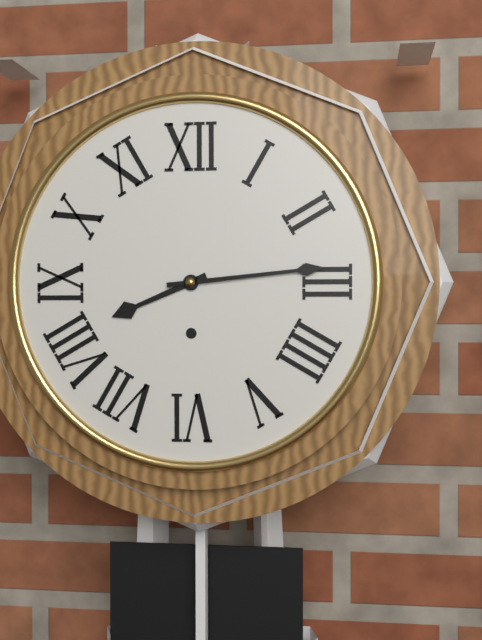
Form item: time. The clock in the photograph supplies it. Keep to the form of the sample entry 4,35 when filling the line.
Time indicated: 8,14
